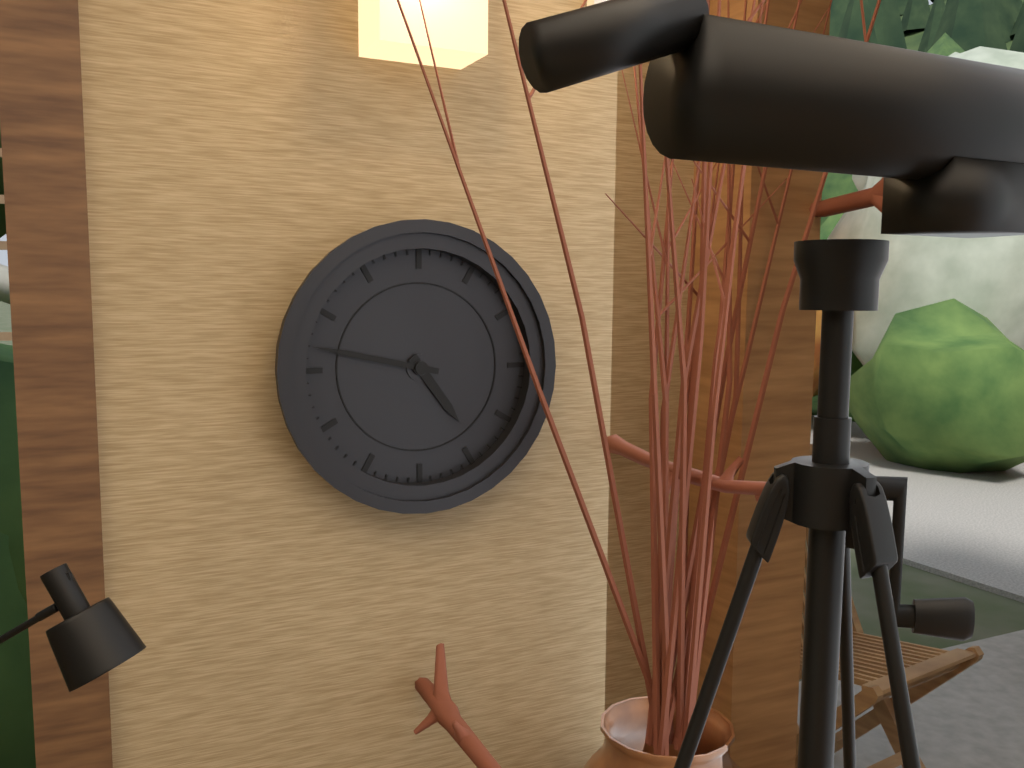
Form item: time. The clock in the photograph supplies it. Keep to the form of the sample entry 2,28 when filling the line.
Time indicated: 4,47
